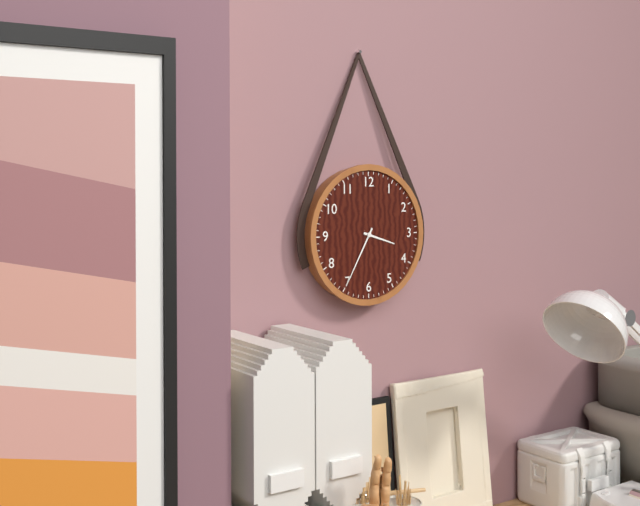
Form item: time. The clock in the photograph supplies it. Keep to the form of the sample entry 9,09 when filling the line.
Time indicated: 3,35
